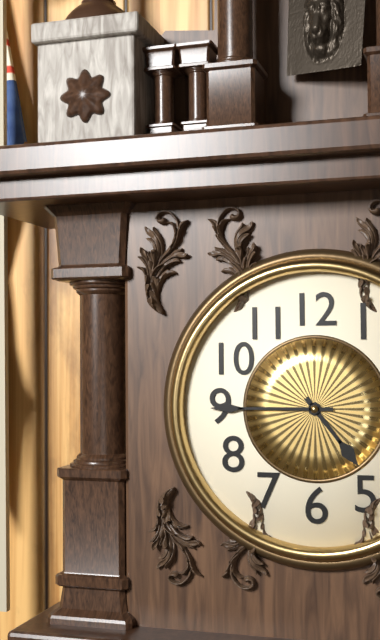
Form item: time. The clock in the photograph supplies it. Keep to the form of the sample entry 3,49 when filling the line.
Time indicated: 4,45
